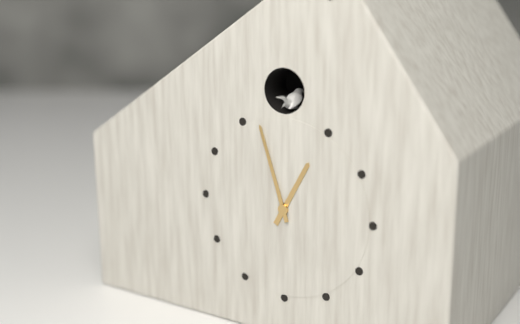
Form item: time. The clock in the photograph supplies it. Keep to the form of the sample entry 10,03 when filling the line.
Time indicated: 12,57
